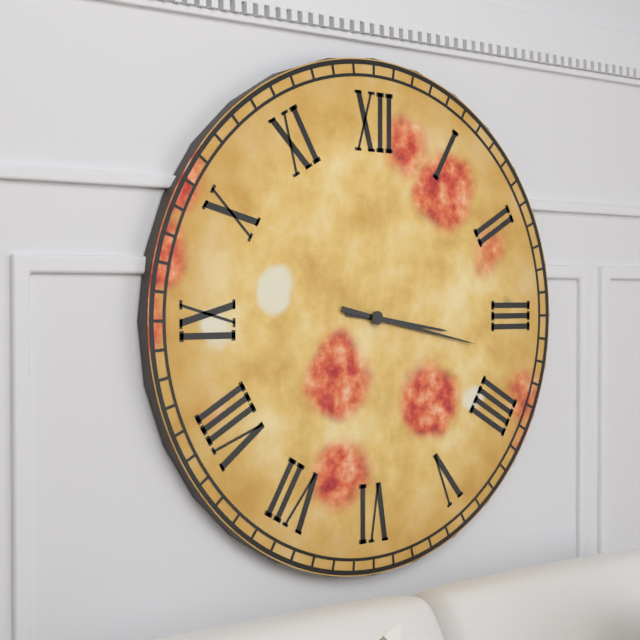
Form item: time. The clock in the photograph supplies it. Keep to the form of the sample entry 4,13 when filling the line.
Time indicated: 3,17
